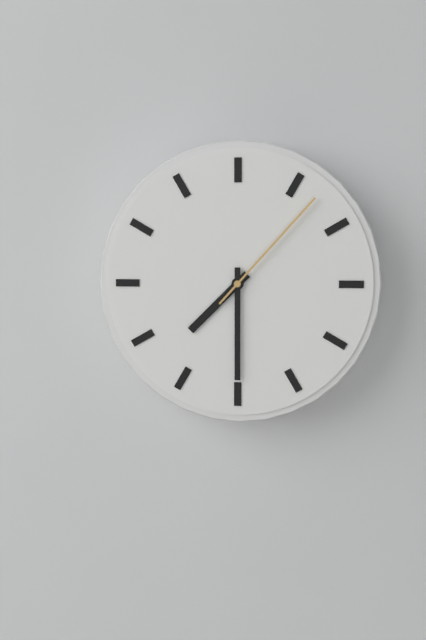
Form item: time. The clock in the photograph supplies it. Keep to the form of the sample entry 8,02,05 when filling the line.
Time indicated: 7,30,07
